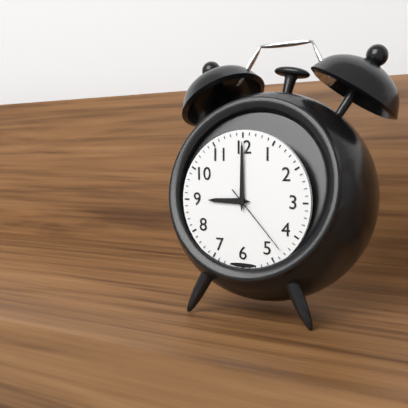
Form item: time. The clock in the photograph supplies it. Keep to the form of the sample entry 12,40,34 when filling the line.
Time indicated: 9,00,23
